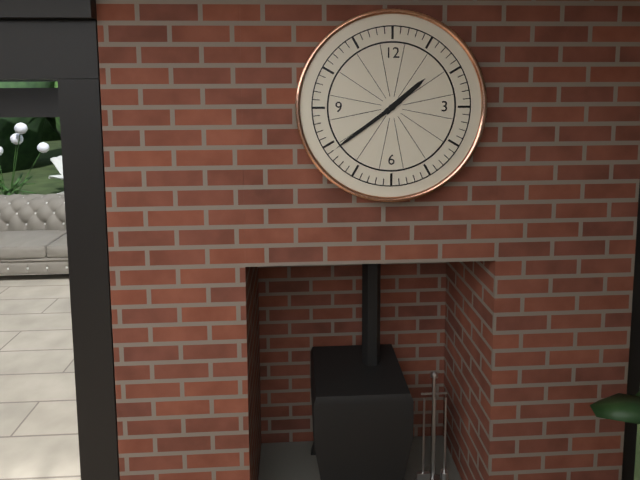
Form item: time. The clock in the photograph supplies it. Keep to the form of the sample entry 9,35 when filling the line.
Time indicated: 1,39
